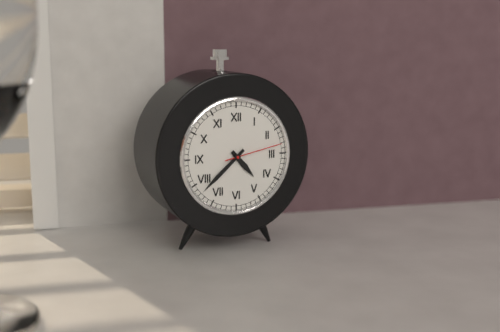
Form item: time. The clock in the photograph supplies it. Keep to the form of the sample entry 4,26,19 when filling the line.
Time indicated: 4,38,13
